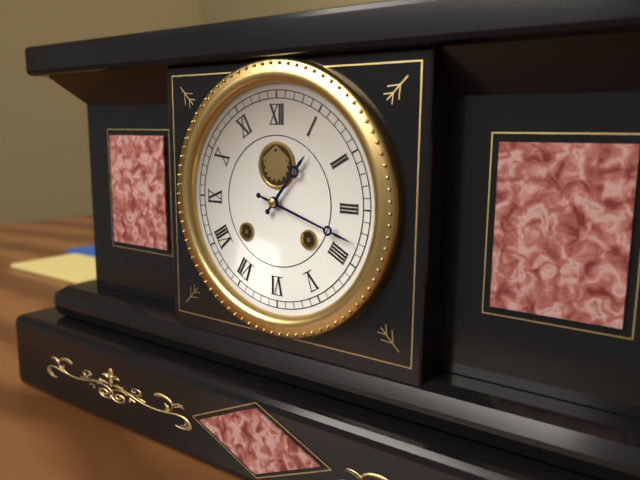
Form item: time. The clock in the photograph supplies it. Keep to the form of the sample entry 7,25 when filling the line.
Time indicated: 1,18
